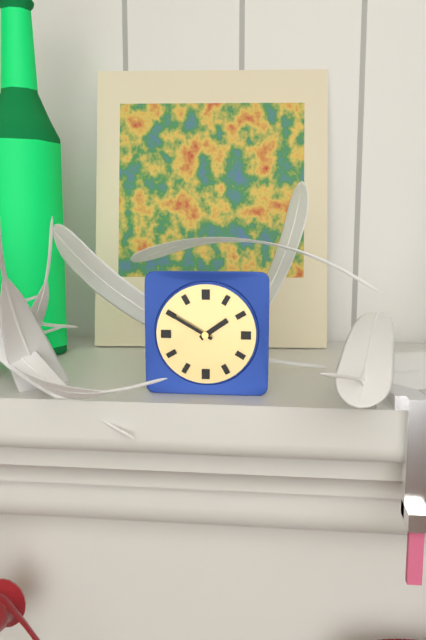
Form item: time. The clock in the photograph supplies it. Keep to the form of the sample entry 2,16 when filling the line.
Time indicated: 1,50
